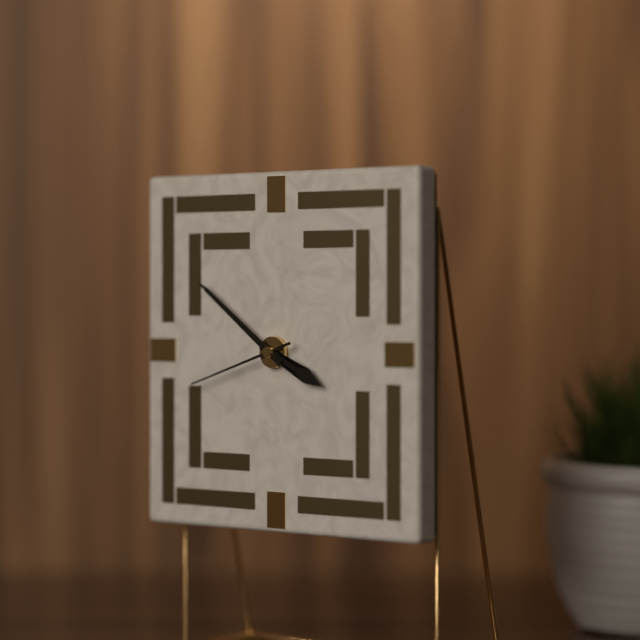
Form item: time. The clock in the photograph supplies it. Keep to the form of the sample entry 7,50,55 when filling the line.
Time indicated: 3,51,42
